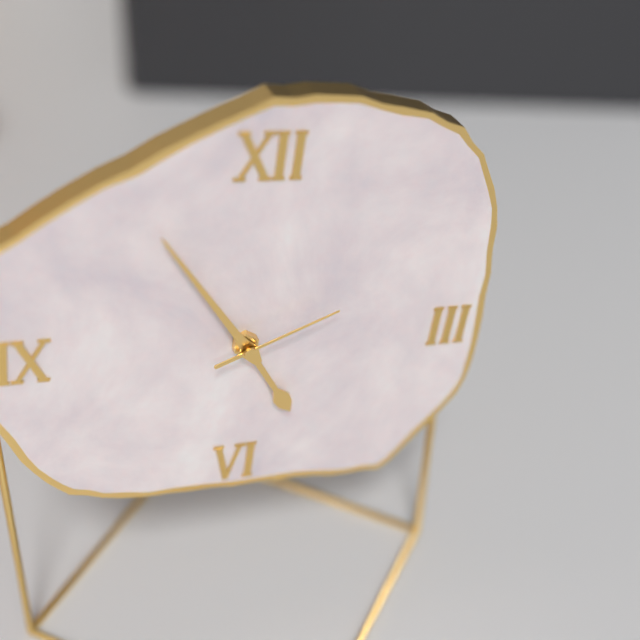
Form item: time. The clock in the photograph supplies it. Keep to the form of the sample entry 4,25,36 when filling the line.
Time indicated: 4,54,11
